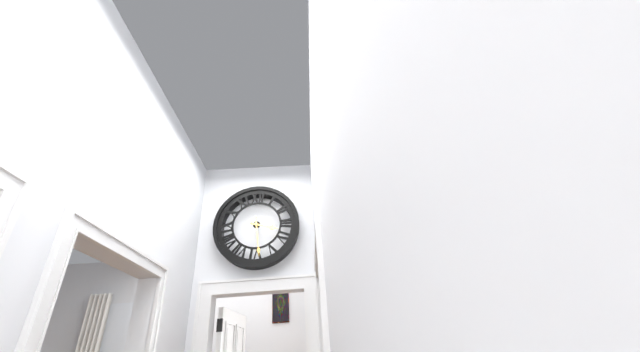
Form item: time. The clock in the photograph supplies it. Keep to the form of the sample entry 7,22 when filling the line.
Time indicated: 3,29
